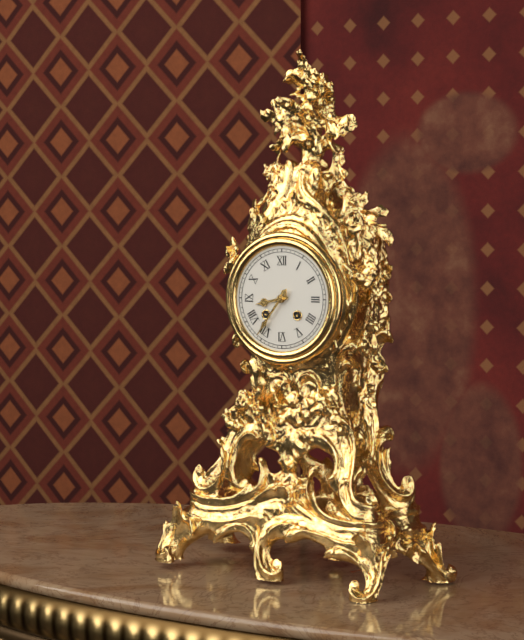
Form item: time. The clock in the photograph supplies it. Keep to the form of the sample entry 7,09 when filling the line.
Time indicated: 8,36
